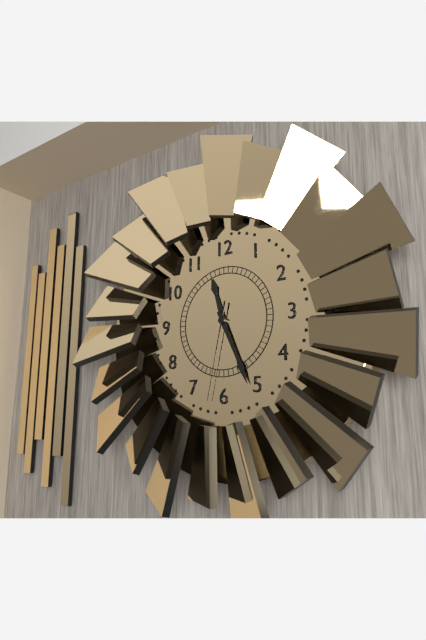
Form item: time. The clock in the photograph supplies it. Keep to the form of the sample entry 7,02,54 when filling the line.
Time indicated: 11,26,32
